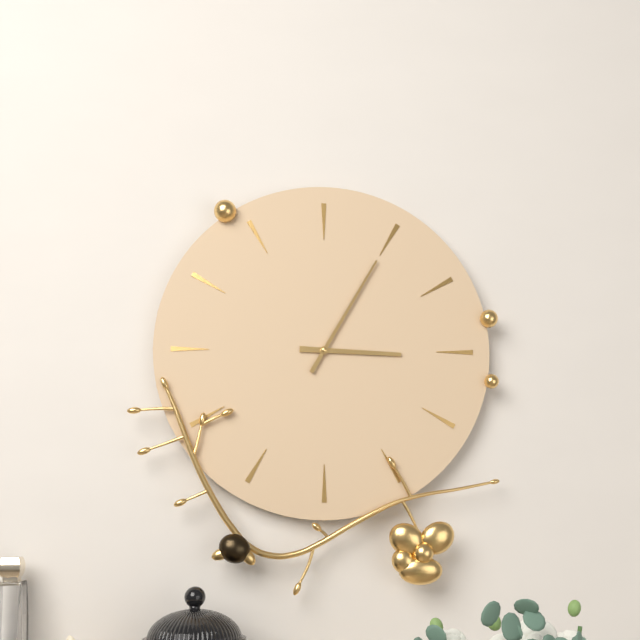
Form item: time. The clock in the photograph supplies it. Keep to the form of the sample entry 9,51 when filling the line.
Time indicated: 3,05
